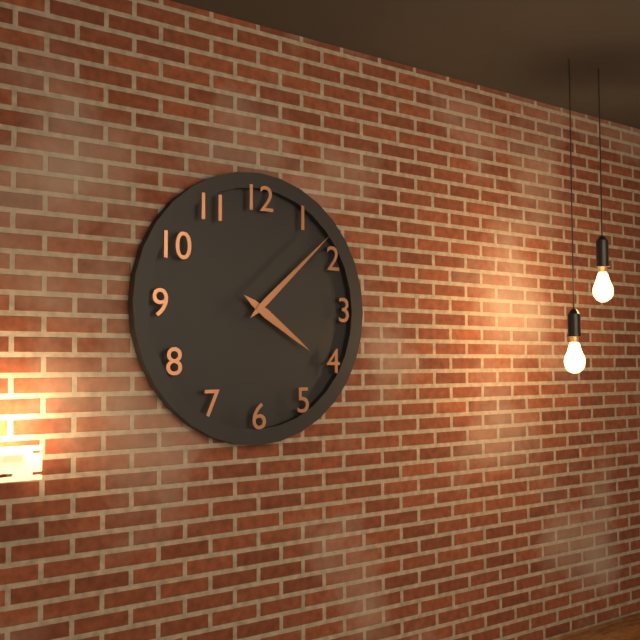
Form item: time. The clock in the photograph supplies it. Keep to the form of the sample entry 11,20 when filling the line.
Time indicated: 4,08
